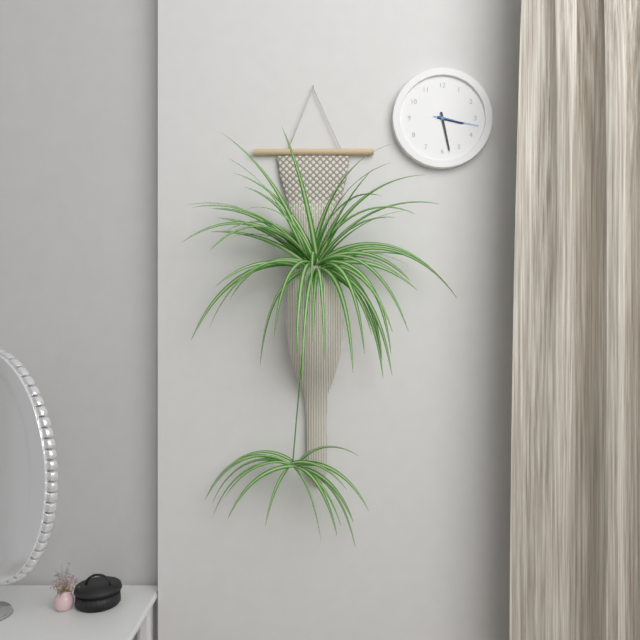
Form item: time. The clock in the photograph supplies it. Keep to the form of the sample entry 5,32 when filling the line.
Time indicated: 3,28
